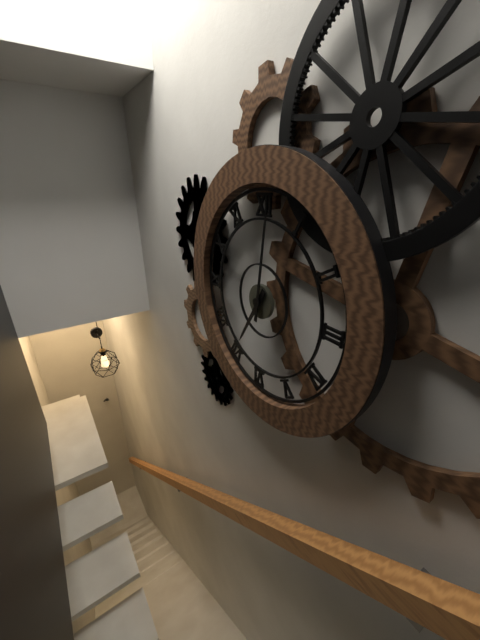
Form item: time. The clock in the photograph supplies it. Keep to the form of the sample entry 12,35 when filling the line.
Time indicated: 7,01
